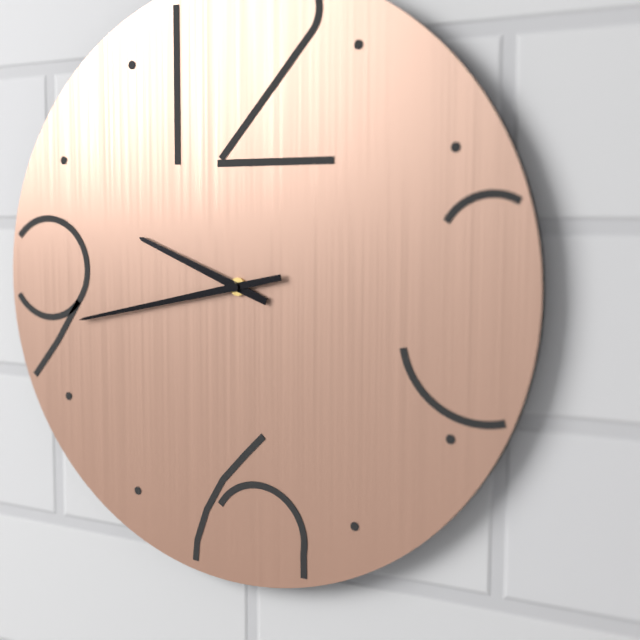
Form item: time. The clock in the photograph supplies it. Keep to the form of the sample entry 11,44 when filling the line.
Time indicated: 9,43
